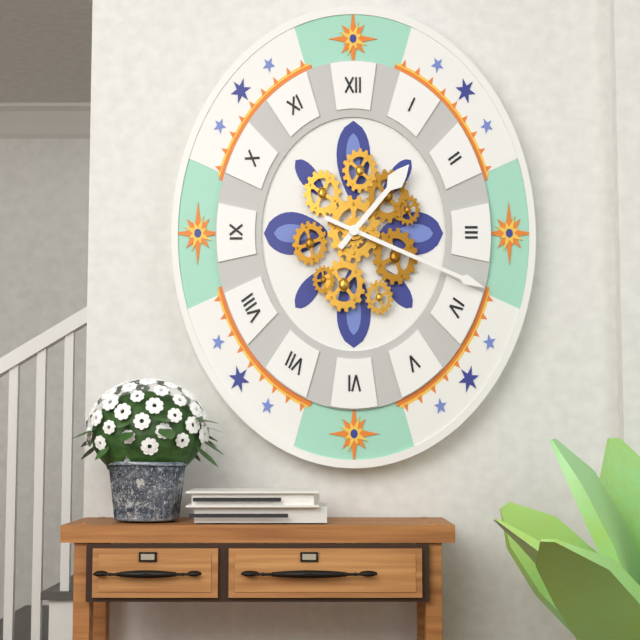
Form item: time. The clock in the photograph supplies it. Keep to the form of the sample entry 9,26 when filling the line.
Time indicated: 1,19
